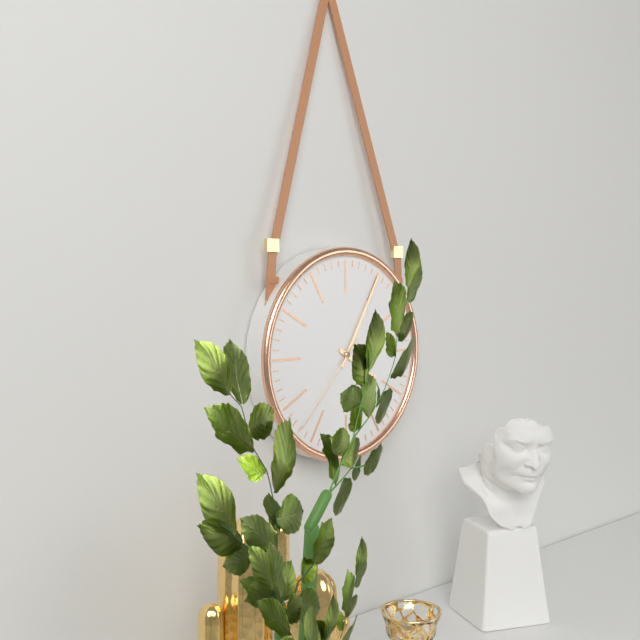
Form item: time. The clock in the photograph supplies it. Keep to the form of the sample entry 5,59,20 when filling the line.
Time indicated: 4,05,37
